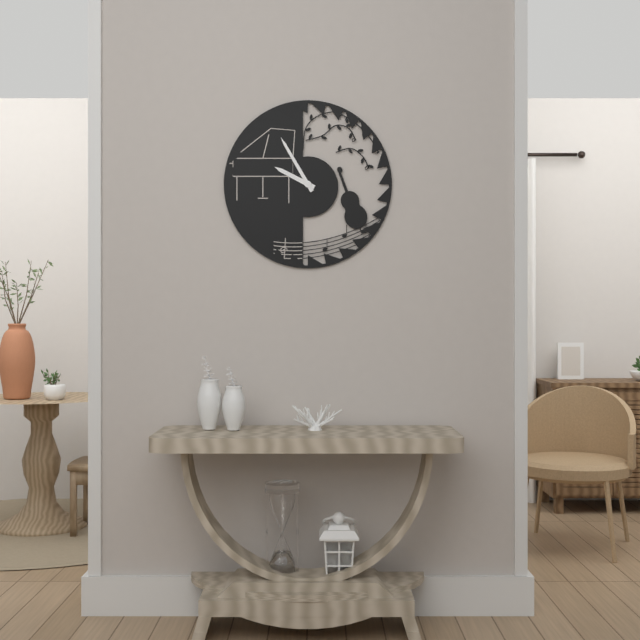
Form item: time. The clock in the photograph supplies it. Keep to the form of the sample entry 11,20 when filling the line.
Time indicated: 9,55
